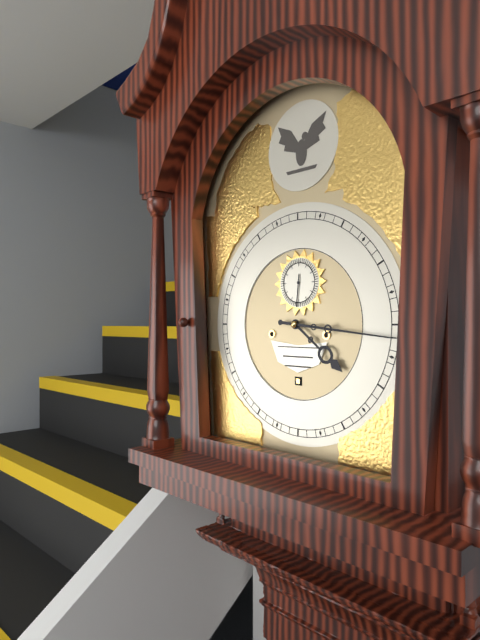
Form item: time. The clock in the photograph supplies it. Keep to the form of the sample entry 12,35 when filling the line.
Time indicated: 4,16
